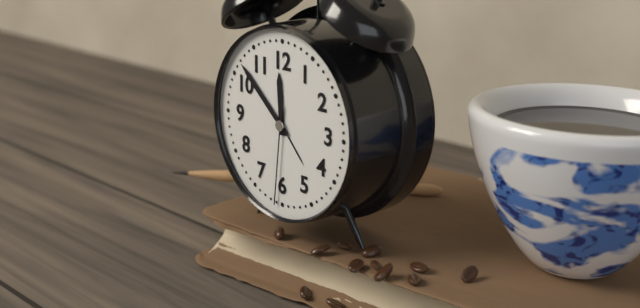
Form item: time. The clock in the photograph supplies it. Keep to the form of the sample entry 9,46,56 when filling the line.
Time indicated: 11,52,31
